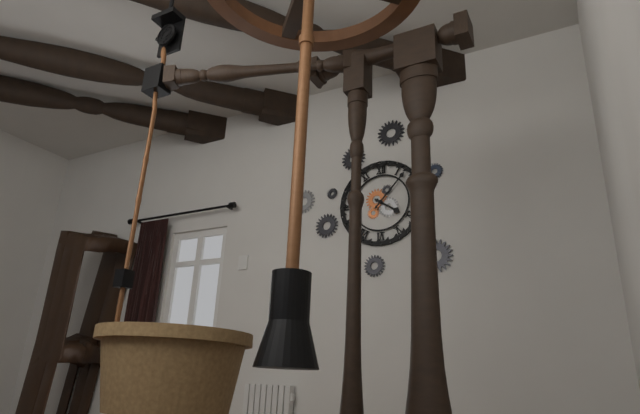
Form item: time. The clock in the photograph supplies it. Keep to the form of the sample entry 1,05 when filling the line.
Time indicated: 4,07
